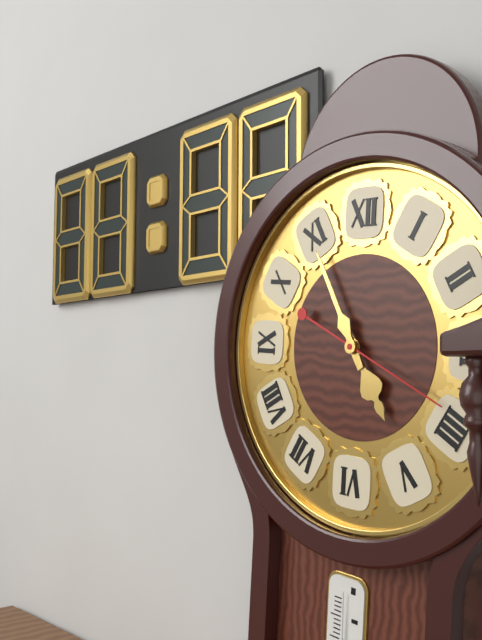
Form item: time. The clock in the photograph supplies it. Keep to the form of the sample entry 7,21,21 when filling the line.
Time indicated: 4,55,19
